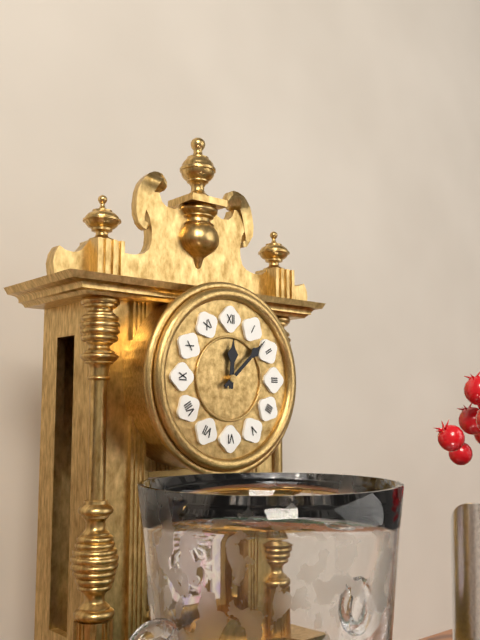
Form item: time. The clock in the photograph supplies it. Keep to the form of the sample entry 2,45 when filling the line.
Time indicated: 12,08
